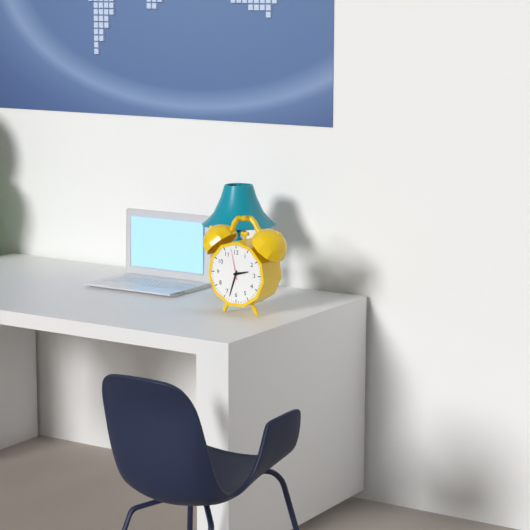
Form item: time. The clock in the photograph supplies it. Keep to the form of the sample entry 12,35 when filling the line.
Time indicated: 2,33
